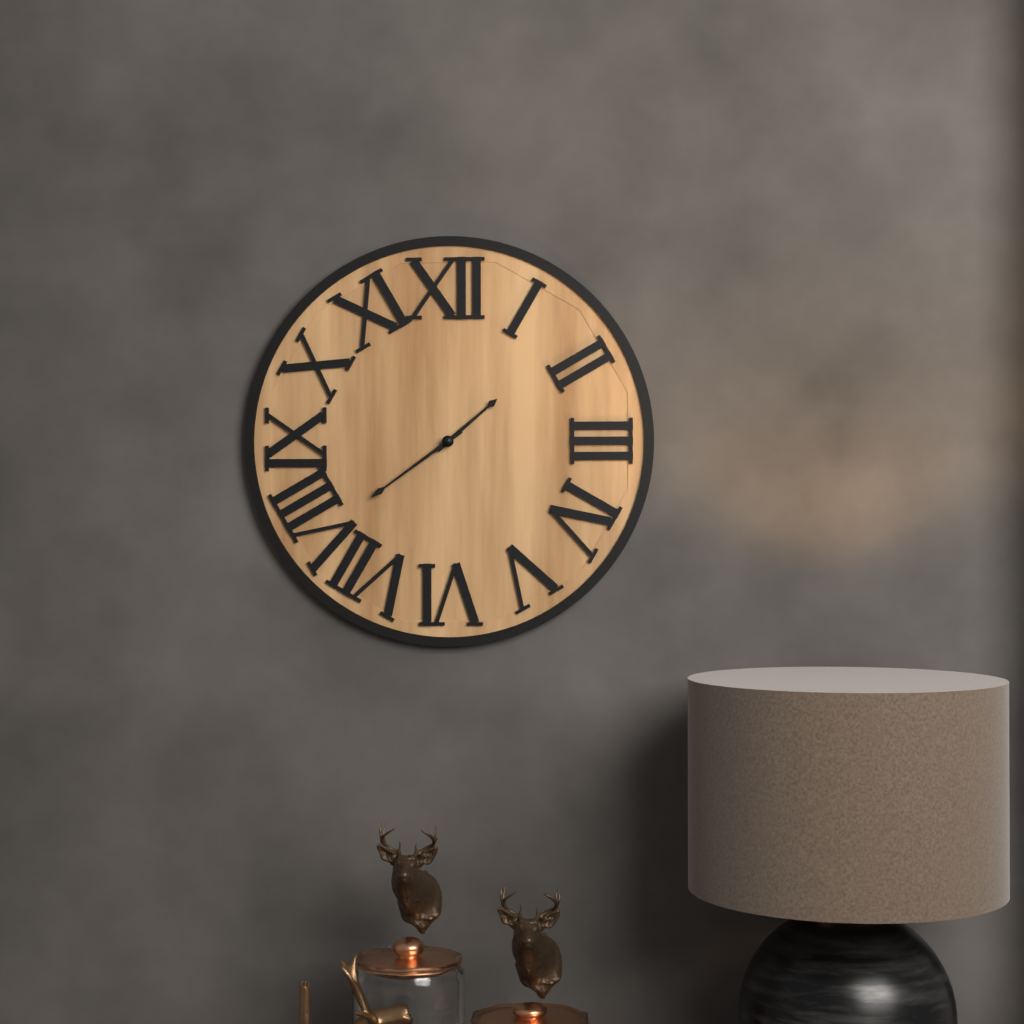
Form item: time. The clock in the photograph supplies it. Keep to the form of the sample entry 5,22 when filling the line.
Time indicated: 1,39
